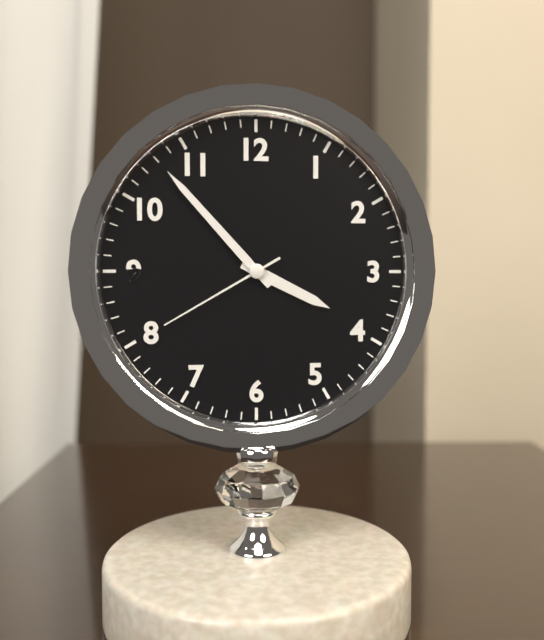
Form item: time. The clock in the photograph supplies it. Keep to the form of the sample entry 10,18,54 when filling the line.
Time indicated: 3,53,40
